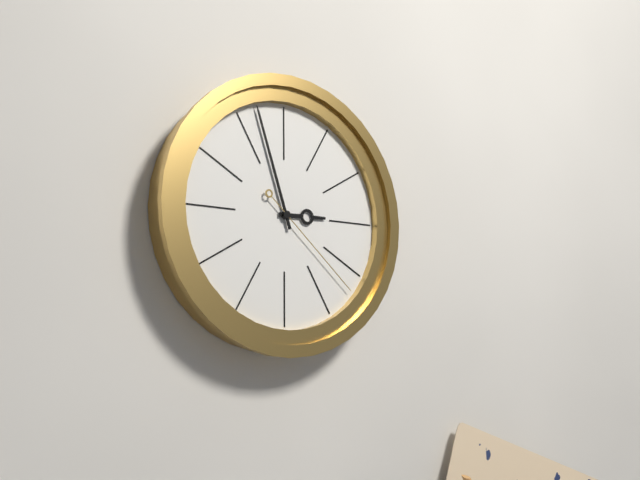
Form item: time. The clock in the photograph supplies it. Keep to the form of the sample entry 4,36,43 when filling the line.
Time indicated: 2,57,22
